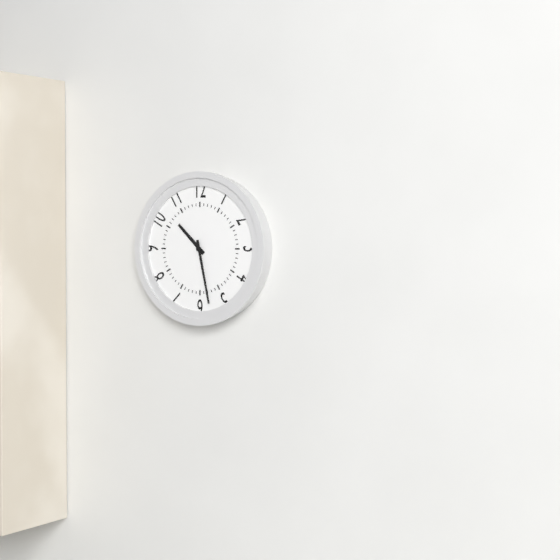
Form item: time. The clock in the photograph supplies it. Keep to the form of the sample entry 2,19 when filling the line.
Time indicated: 10,28
